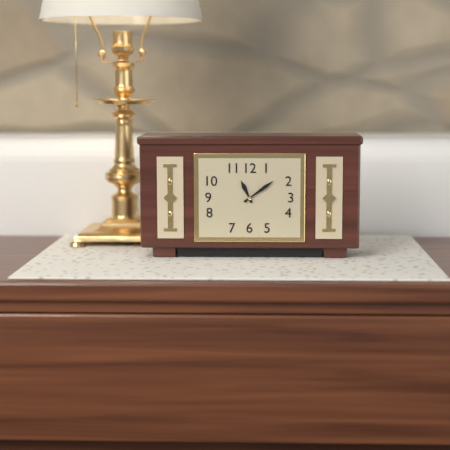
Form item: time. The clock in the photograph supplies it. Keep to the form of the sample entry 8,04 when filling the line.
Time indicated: 11,09
